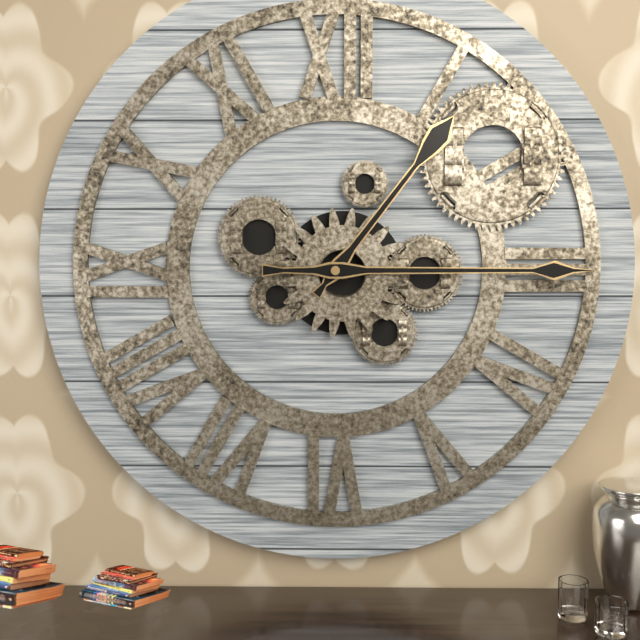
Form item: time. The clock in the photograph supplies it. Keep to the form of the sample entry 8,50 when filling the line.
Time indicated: 1,15
